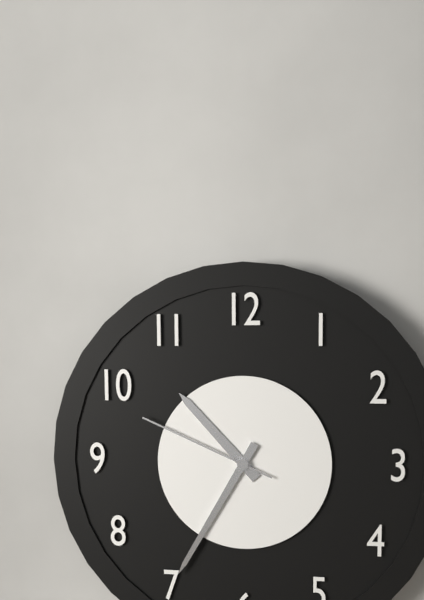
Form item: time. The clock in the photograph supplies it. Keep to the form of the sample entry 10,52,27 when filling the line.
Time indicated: 10,35,49
